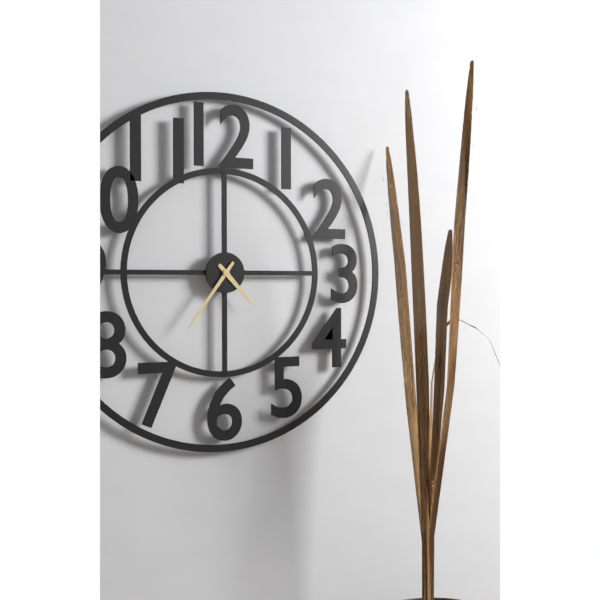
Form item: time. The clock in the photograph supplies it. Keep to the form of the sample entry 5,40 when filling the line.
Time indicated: 4,36
